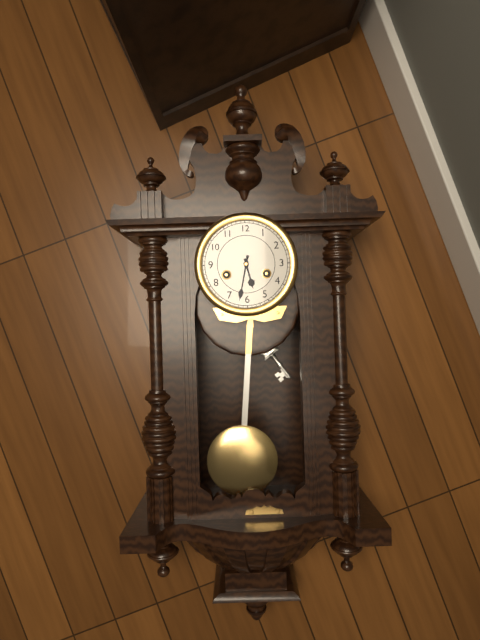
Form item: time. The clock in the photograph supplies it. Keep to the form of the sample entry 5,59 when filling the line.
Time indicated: 5,32
